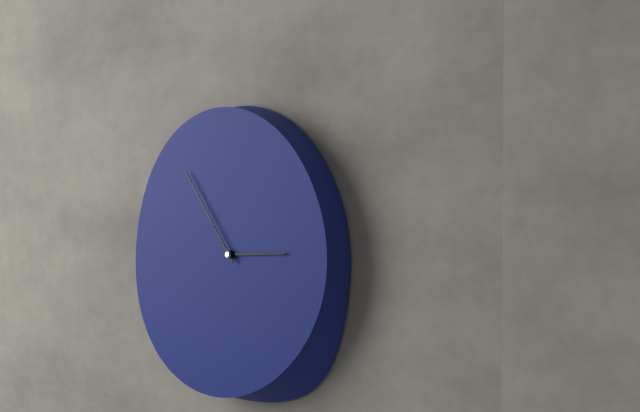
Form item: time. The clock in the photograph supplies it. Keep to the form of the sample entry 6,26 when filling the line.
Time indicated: 2,54
